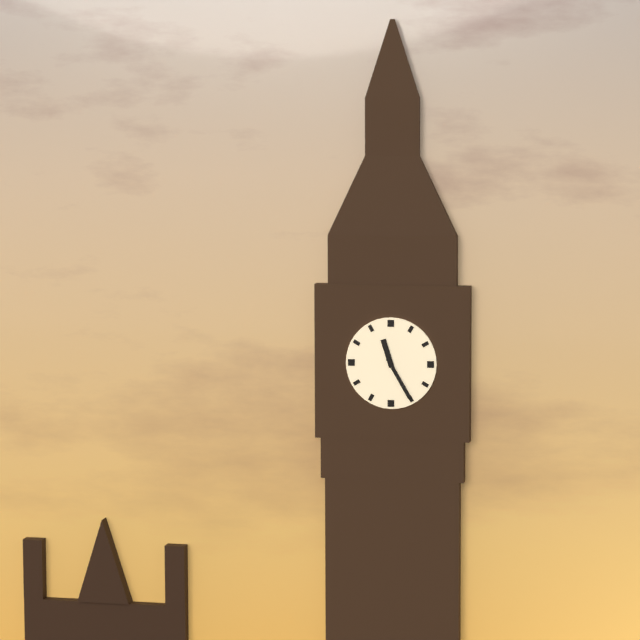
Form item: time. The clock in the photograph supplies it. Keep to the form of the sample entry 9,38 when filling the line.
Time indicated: 11,25
